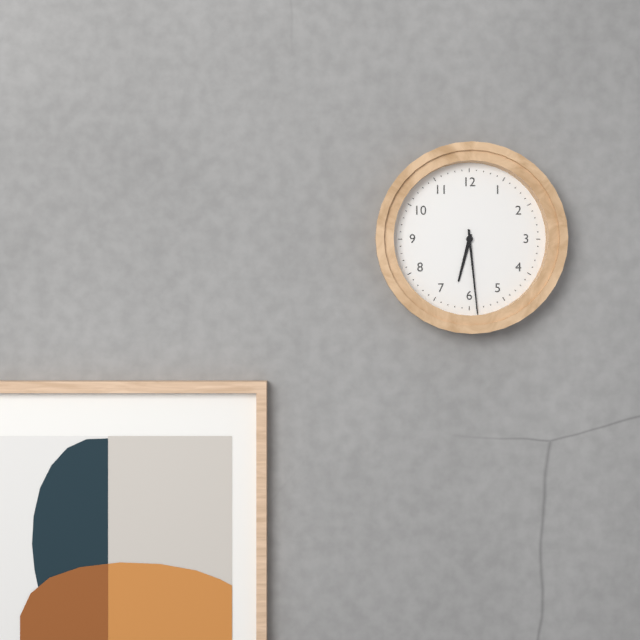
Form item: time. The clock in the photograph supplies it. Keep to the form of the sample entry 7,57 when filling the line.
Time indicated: 6,29
